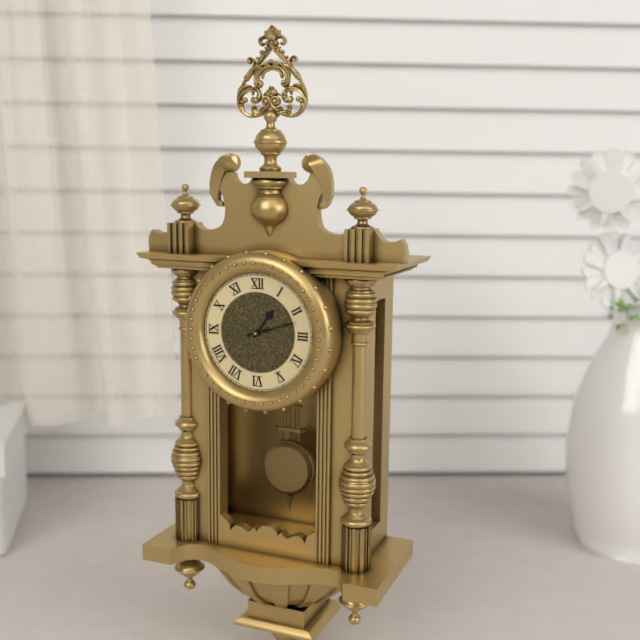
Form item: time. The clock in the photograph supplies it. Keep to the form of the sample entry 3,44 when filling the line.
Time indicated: 1,12
